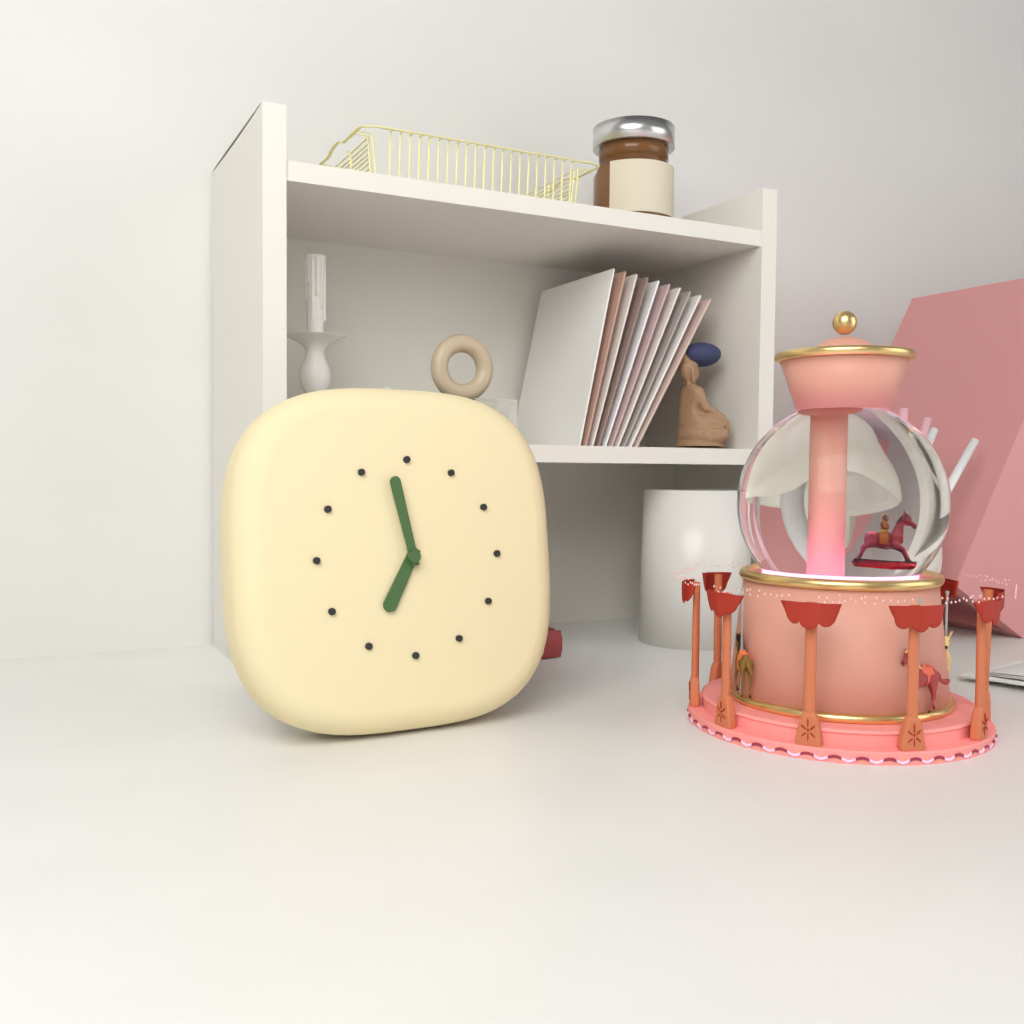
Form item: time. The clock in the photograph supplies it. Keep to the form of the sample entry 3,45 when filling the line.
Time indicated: 6,58
